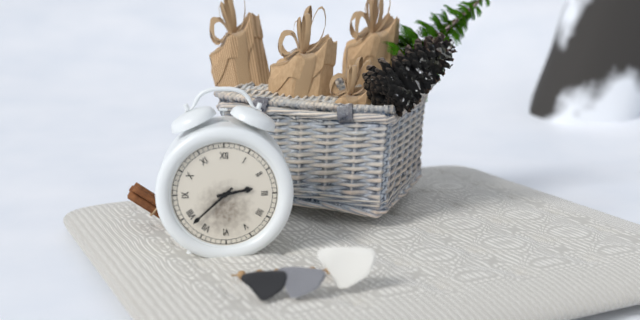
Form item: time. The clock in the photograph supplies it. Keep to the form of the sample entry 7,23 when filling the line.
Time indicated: 2,38
